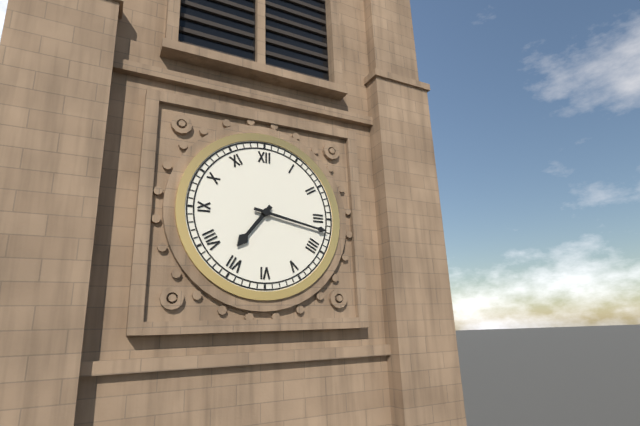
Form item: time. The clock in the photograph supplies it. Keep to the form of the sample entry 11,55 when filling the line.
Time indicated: 7,17
